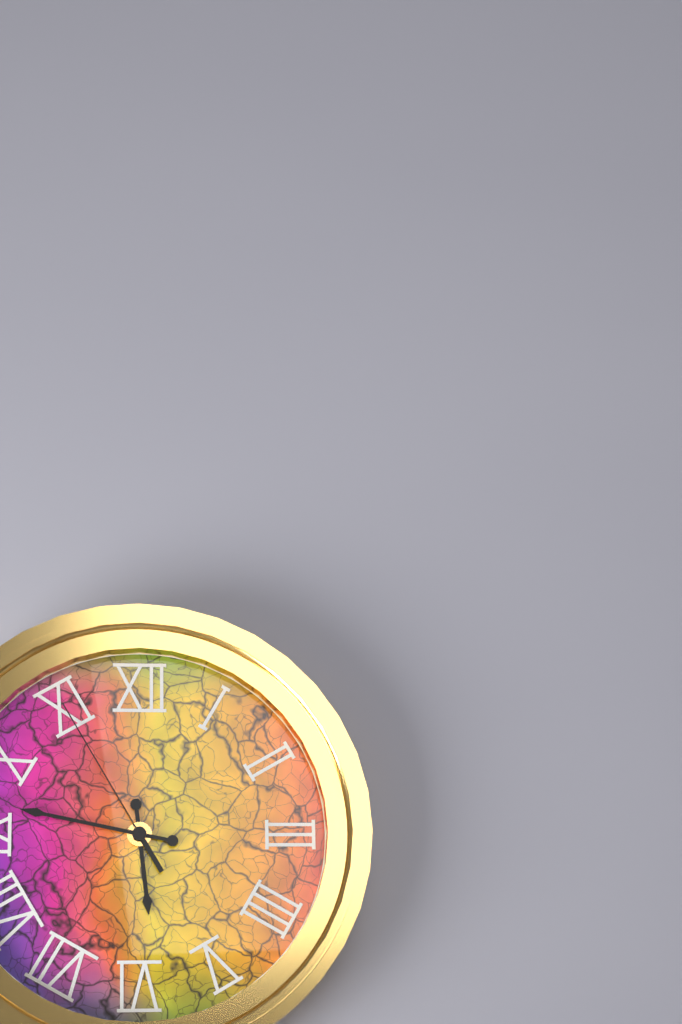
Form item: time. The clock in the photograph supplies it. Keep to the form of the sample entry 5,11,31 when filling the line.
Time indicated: 5,47,55
